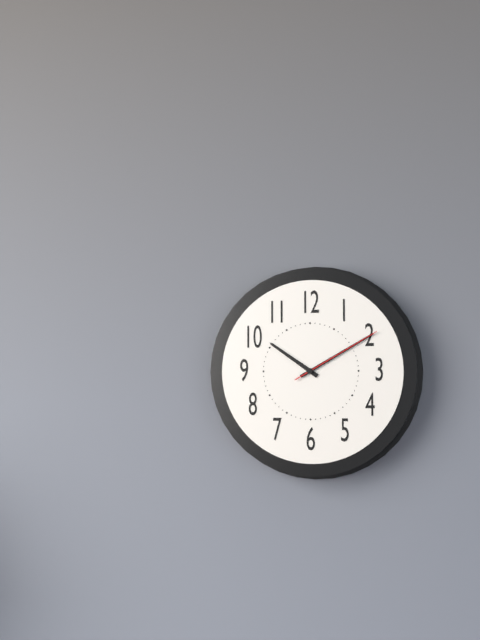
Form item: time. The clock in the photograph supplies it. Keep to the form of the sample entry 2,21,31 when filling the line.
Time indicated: 10,10,10
